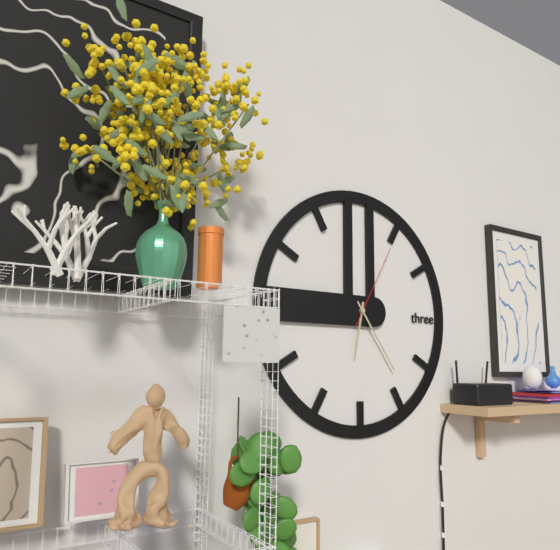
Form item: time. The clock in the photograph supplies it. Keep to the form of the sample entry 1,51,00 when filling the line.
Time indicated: 6,24,05
